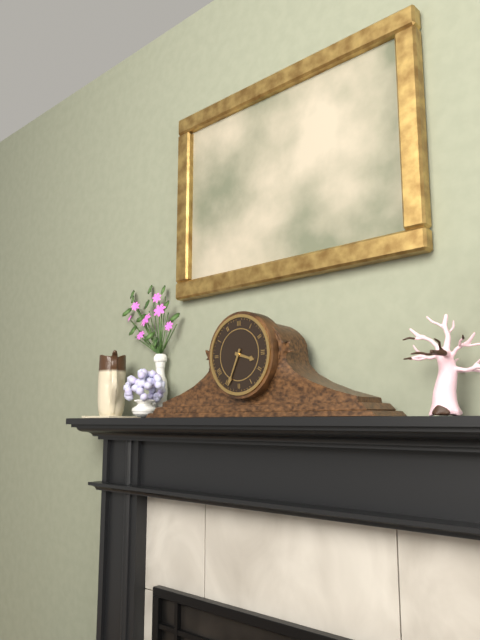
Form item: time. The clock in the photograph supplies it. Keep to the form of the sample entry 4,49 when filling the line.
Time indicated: 3,34
